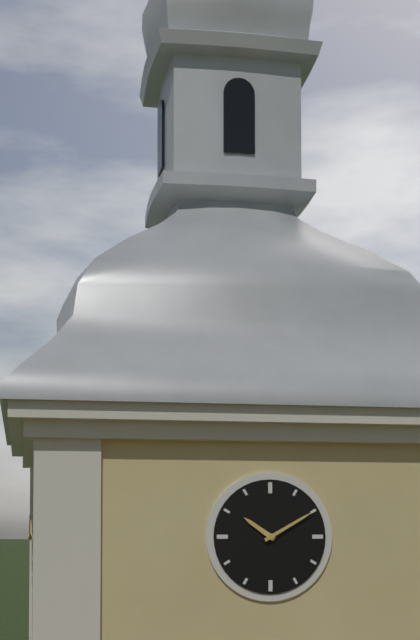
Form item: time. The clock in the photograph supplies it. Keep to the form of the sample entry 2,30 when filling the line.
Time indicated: 10,10
